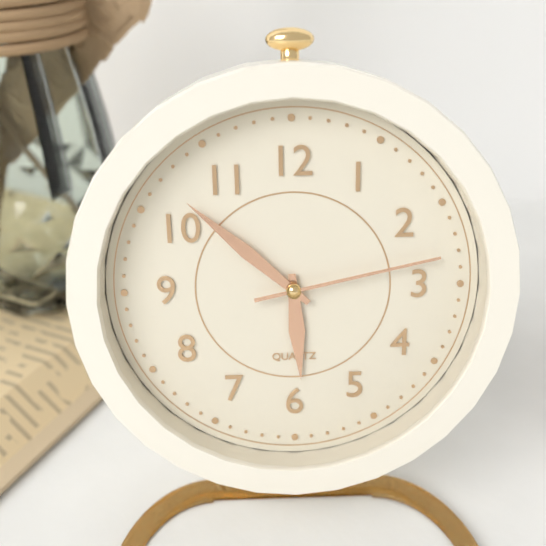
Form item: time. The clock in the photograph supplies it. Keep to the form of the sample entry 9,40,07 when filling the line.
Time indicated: 5,52,13
